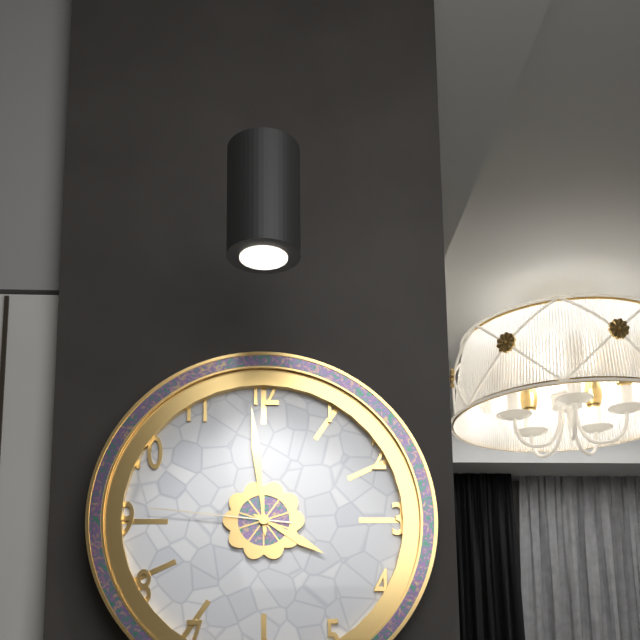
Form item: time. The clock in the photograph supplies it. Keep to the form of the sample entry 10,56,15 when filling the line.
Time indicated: 3,59,46
